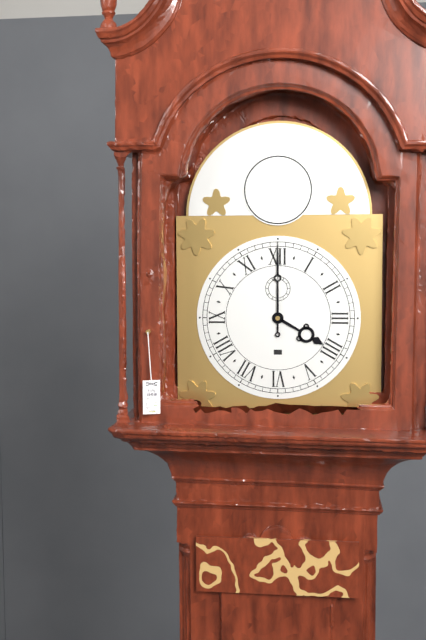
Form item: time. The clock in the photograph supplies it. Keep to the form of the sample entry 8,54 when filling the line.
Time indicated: 4,00
